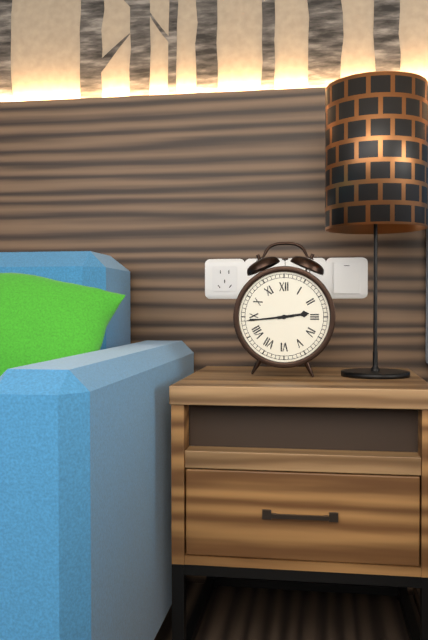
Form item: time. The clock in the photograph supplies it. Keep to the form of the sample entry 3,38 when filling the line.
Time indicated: 2,44
